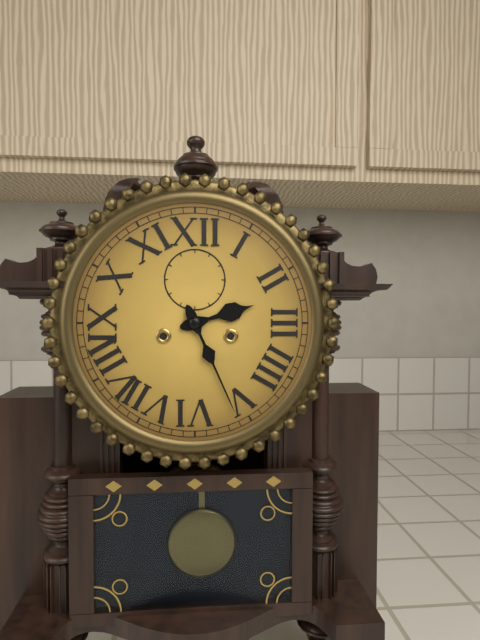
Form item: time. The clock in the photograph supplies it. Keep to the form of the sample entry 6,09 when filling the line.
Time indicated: 2,26
